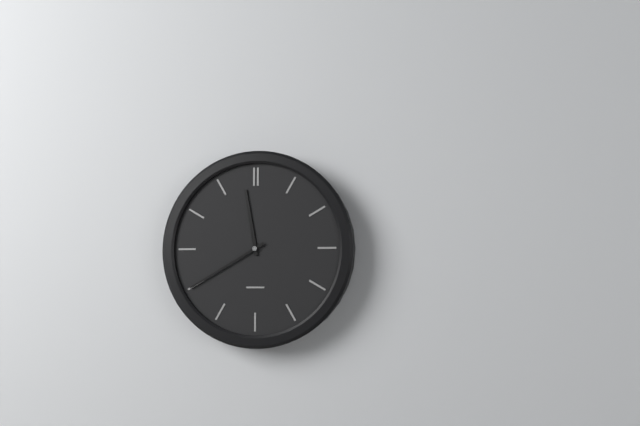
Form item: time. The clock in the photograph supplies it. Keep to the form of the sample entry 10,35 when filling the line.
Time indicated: 11,40
